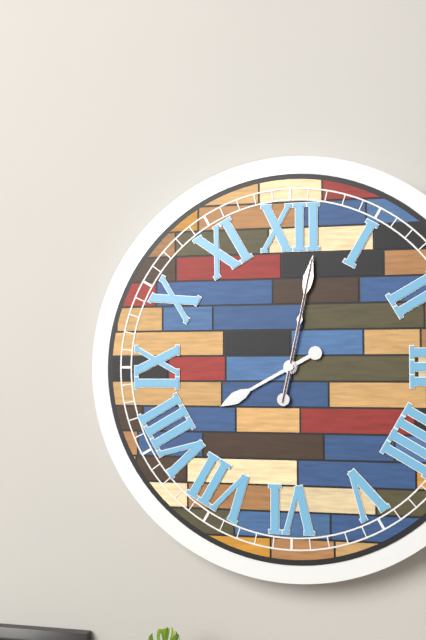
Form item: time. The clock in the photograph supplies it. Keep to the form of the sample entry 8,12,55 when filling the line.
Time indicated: 8,02,02
